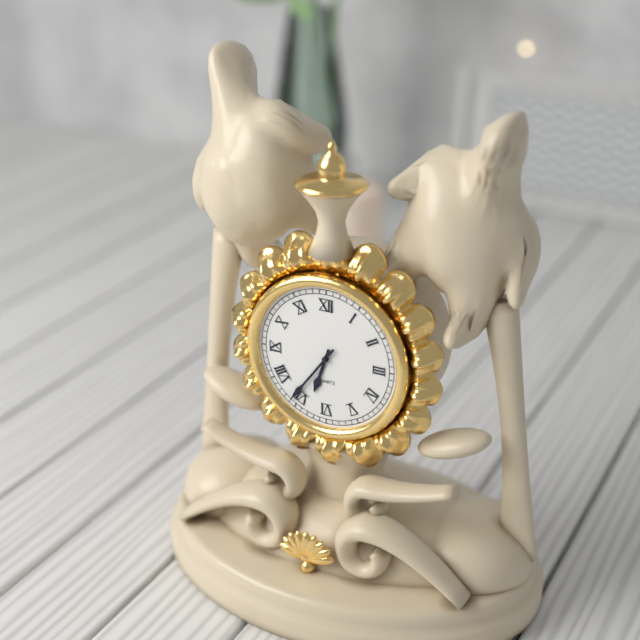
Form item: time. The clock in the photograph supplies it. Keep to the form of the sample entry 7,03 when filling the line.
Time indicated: 6,36
